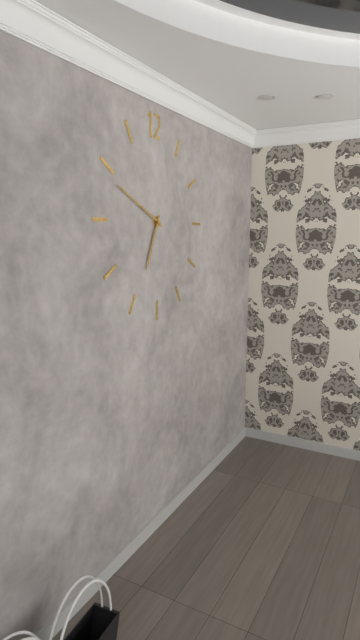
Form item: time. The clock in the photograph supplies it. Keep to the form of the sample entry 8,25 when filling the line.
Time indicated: 6,49
